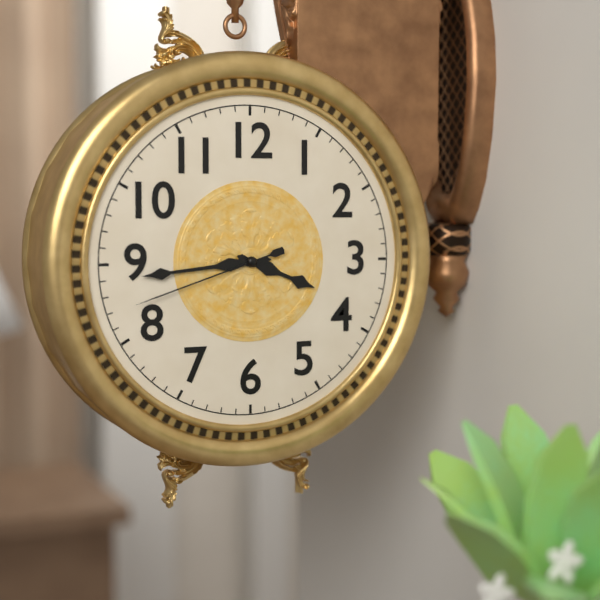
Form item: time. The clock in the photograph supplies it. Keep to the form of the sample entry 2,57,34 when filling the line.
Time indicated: 3,44,42
